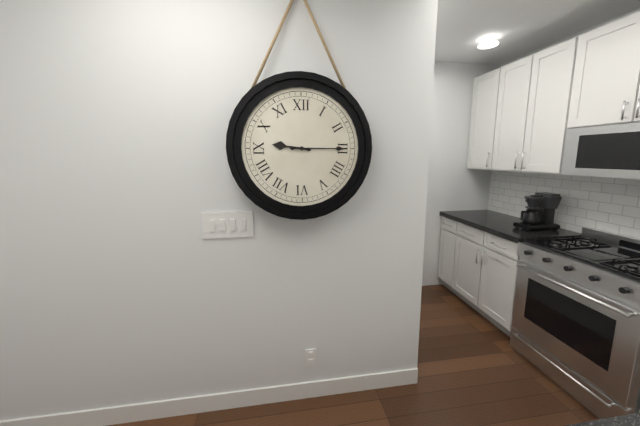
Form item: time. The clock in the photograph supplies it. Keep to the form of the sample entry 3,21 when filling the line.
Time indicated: 9,15
